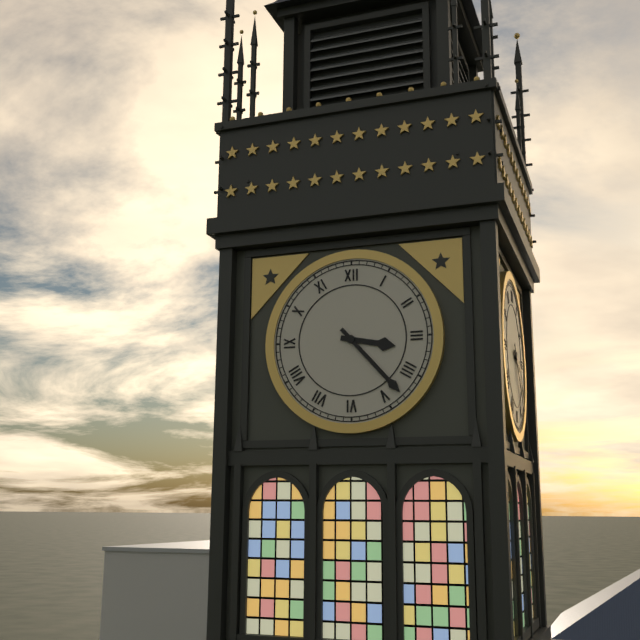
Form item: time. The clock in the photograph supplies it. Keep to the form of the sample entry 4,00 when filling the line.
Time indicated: 3,23
